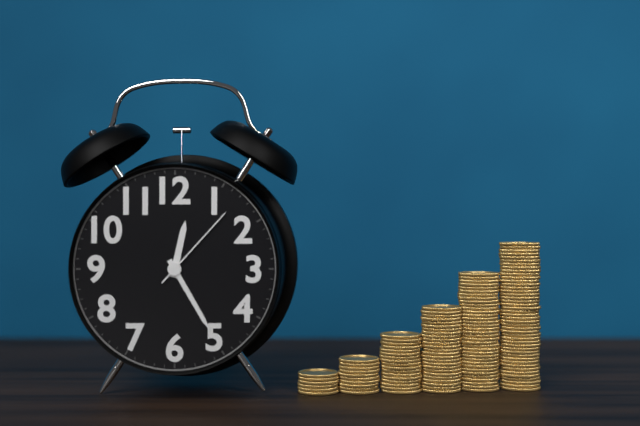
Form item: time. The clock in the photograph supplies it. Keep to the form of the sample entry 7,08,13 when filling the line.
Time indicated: 12,25,07
